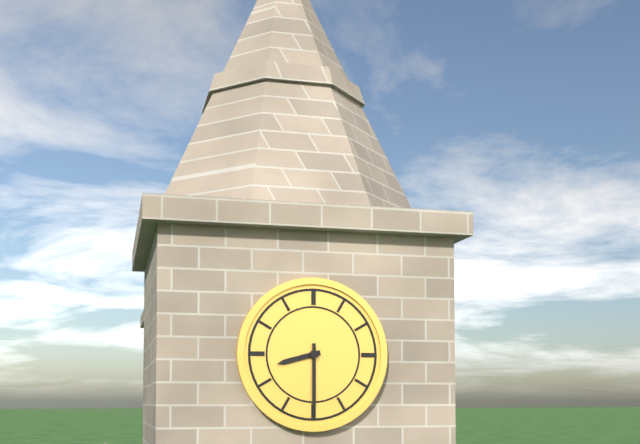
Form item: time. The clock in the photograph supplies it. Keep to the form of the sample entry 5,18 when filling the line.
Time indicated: 8,30
